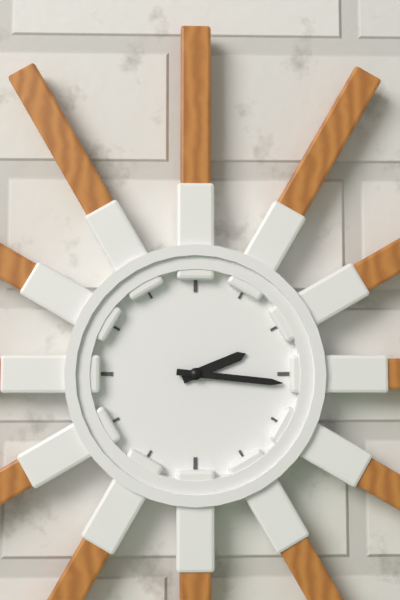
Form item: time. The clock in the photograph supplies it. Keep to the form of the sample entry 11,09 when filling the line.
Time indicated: 2,16
